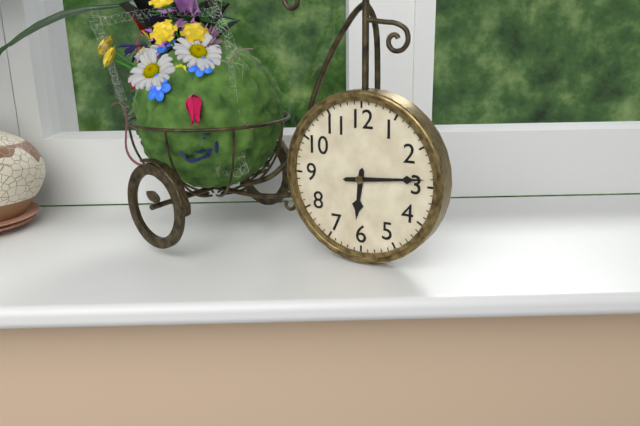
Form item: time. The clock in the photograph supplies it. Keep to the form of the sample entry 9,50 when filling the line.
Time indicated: 6,14
